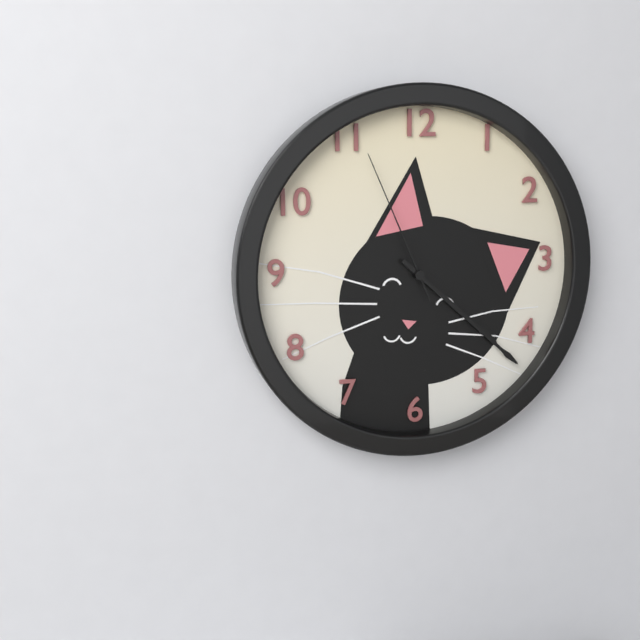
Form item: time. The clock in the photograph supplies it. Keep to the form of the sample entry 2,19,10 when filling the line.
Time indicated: 4,22,56
